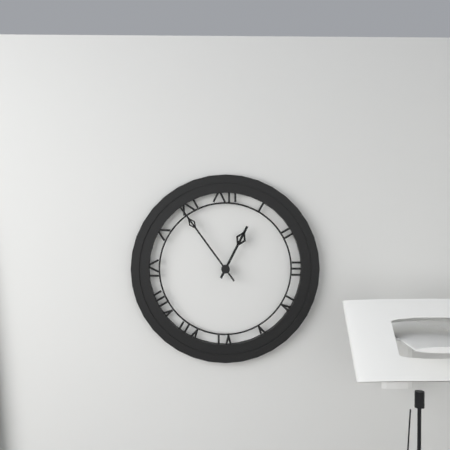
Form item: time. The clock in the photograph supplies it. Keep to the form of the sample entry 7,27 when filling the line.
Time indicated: 12,54
